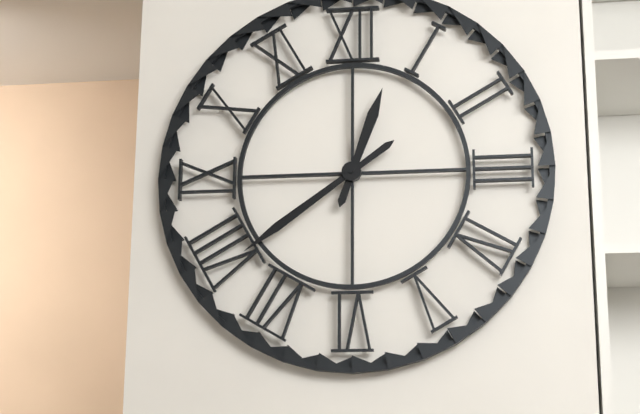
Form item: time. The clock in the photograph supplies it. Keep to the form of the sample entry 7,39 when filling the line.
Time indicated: 12,39
